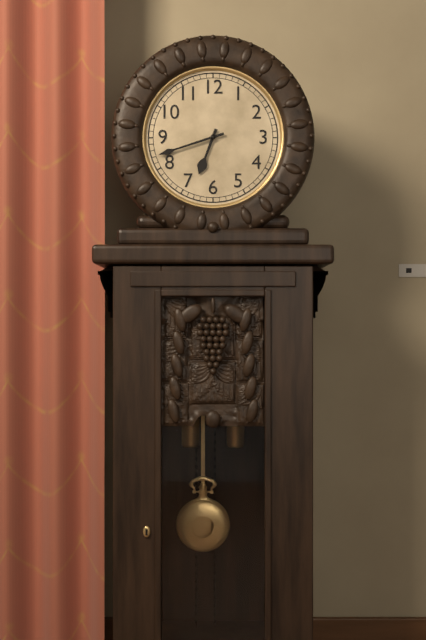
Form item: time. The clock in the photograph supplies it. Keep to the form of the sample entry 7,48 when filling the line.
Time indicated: 6,42
